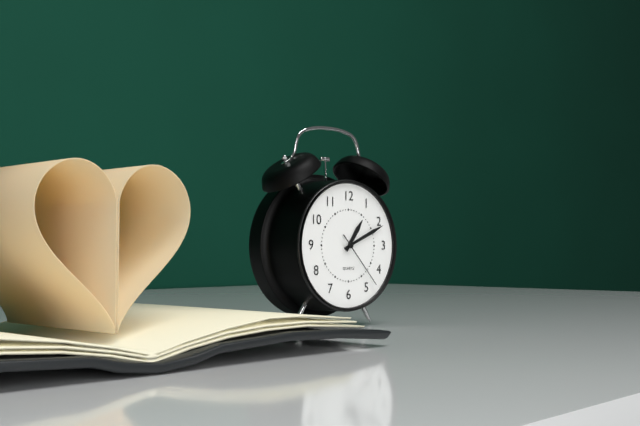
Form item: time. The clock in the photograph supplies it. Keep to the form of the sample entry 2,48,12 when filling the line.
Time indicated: 1,11,23
